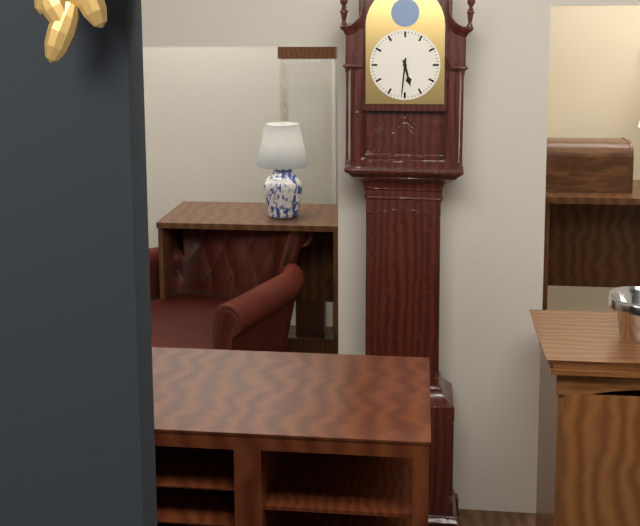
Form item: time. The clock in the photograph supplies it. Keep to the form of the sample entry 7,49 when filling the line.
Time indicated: 5,31
